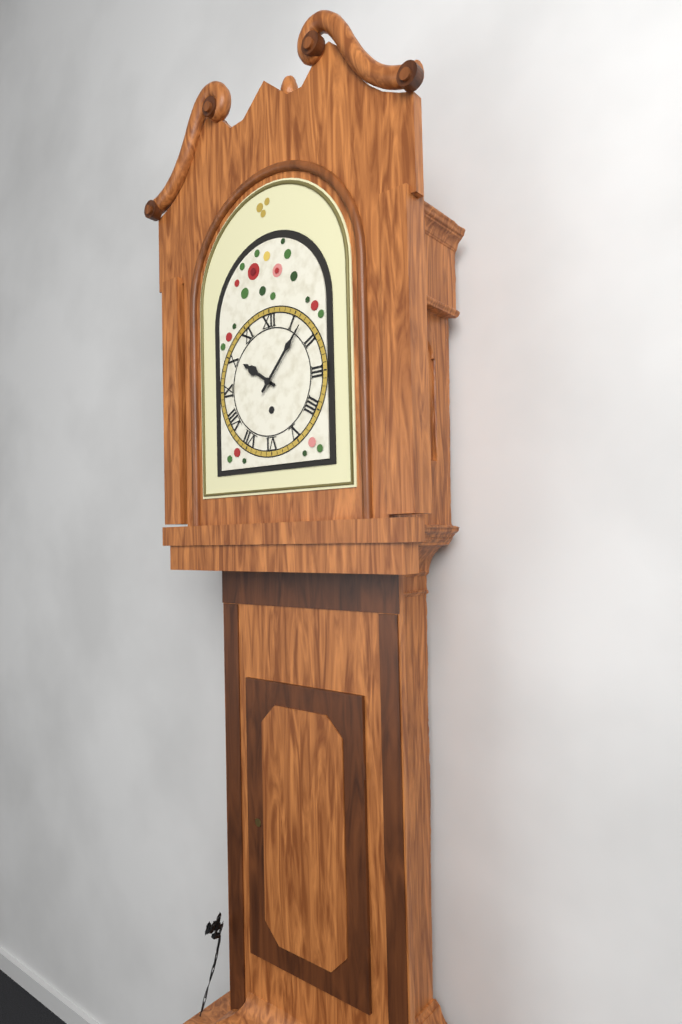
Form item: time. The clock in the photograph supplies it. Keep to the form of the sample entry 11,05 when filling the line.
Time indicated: 10,07
